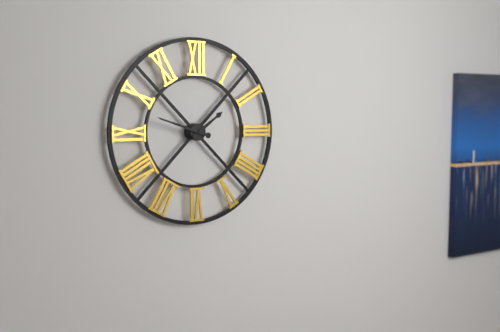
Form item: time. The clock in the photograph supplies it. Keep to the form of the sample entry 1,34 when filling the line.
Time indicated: 1,48
